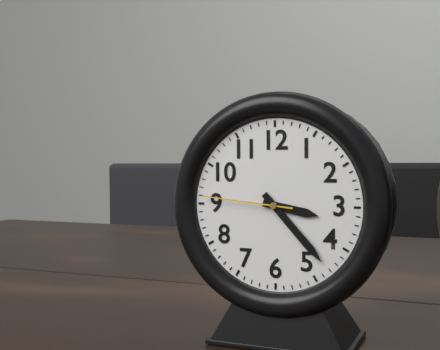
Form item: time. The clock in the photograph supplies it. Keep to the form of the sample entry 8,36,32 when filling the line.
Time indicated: 3,23,46
